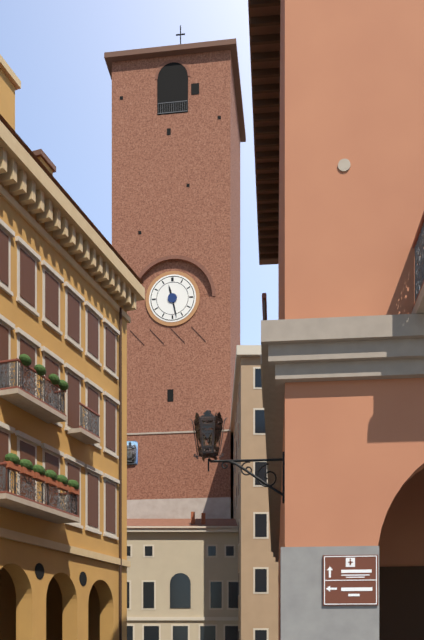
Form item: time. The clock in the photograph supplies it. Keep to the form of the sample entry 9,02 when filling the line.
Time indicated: 11,28
